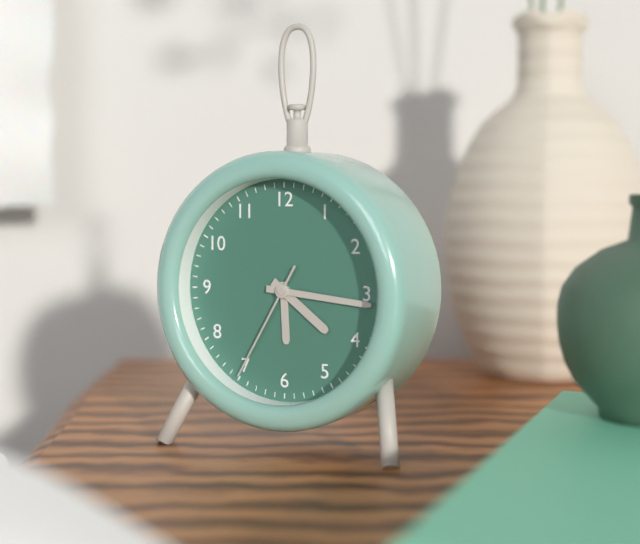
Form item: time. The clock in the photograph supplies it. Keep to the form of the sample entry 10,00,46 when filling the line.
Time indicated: 4,16,35
